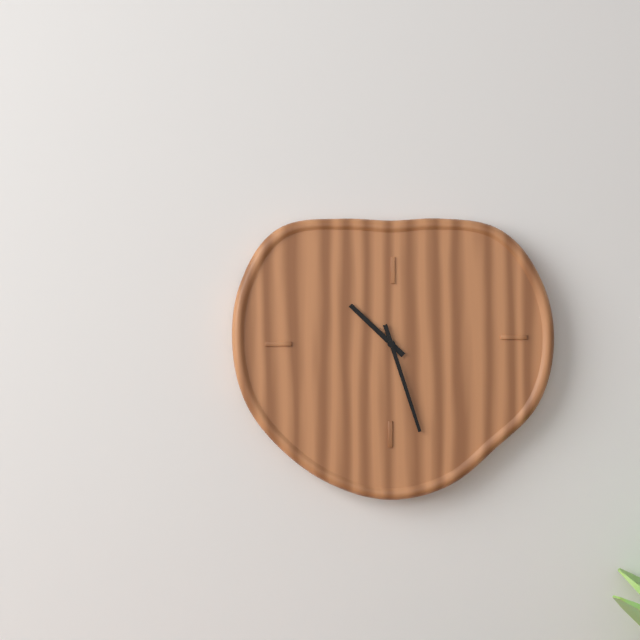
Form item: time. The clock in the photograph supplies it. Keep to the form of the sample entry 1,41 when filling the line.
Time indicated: 10,27
